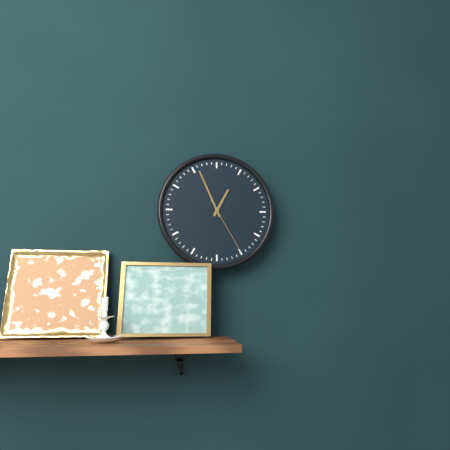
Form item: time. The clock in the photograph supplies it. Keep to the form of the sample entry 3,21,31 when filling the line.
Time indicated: 12,56,25
